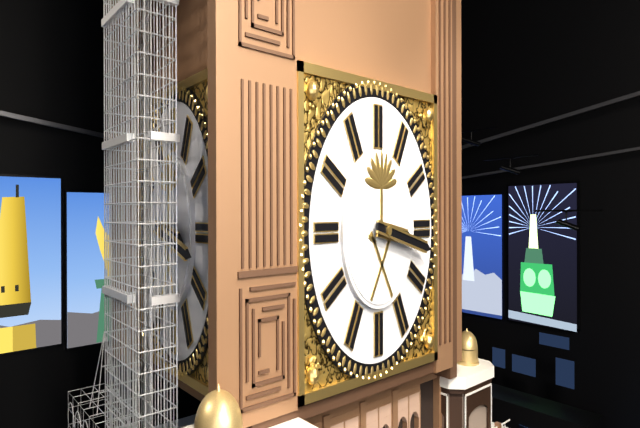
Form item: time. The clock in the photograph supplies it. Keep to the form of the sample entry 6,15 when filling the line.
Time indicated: 3,17
